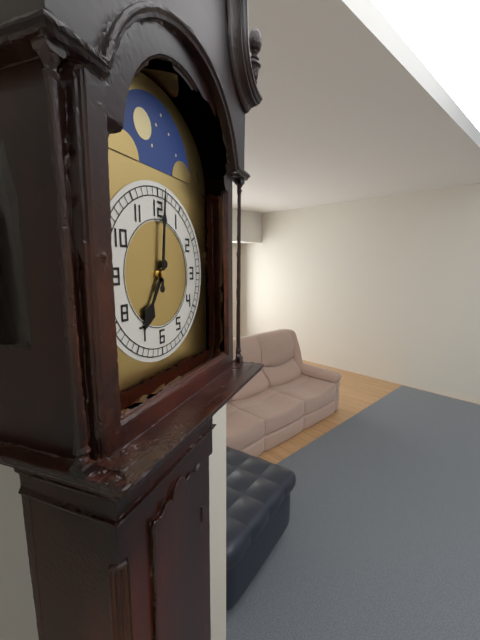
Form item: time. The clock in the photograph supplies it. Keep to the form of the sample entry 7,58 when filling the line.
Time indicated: 7,01
